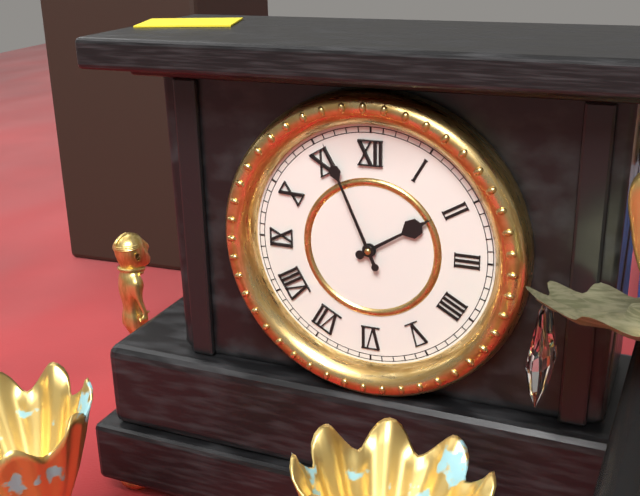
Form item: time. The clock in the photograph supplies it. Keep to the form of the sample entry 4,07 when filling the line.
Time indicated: 1,56
